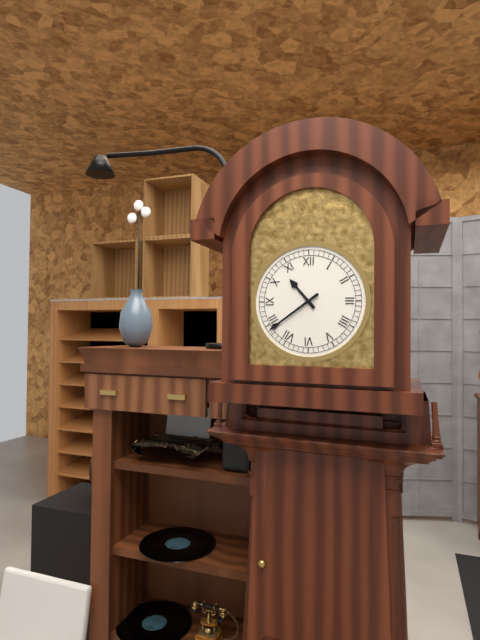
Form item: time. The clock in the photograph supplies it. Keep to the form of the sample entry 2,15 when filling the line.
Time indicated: 10,39
